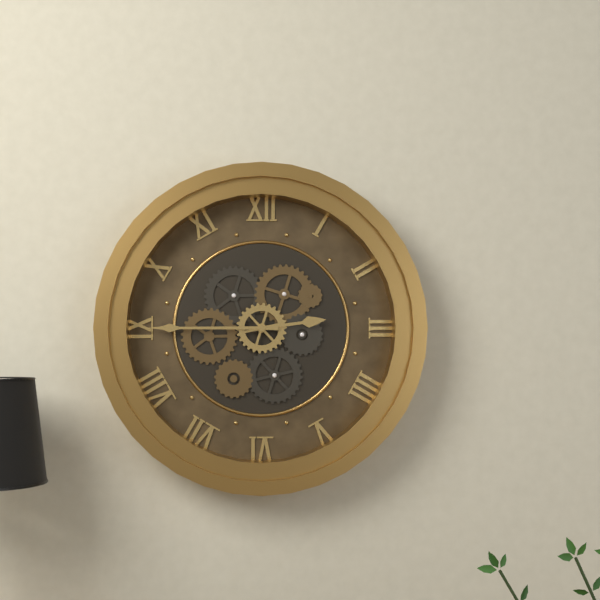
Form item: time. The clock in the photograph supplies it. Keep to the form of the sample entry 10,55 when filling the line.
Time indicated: 2,45
